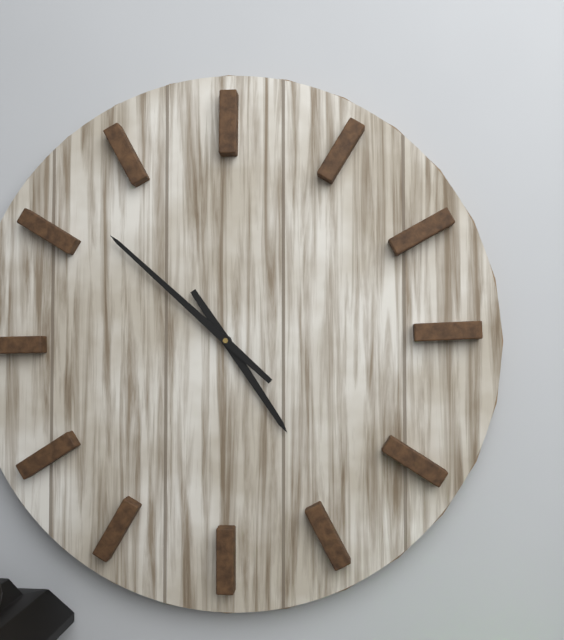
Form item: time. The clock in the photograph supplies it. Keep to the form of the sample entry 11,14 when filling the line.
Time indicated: 4,52
